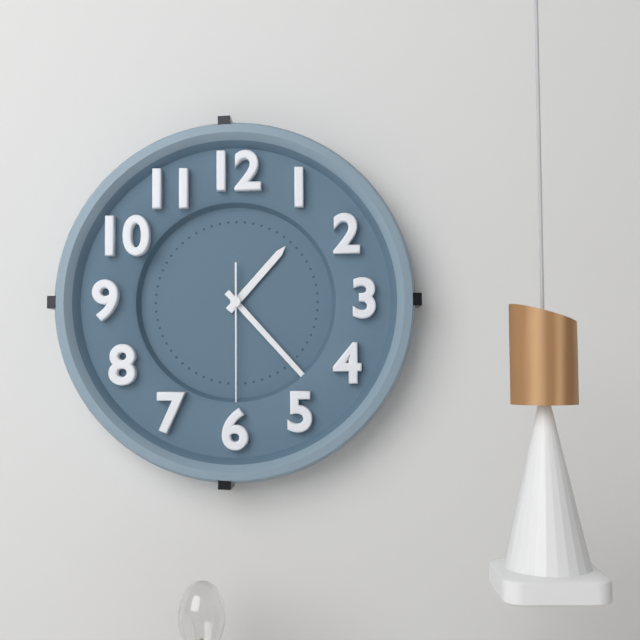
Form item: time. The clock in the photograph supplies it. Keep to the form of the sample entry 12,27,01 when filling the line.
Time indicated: 1,23,30
